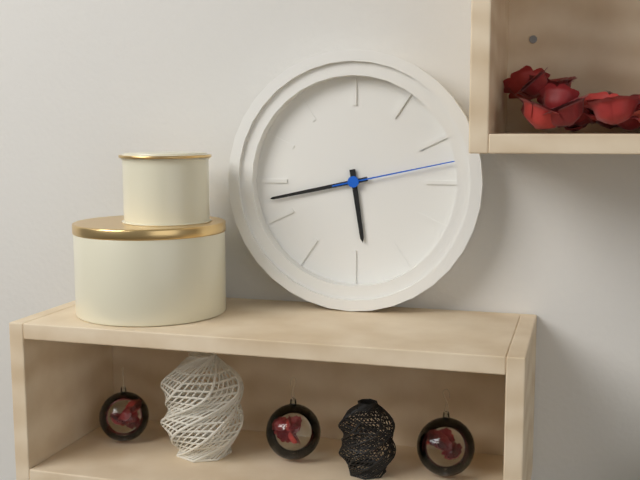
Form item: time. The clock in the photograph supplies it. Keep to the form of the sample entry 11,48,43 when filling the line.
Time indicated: 5,43,13
